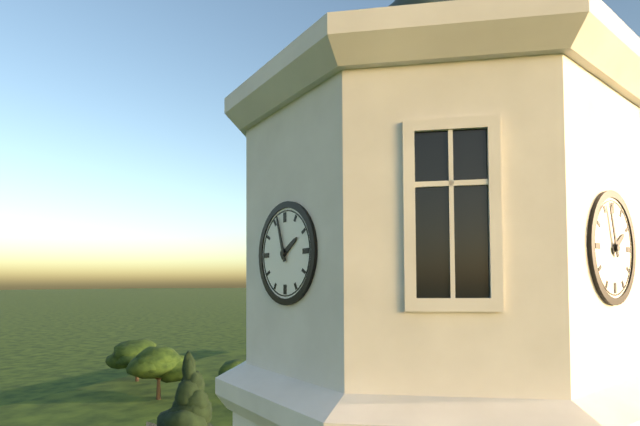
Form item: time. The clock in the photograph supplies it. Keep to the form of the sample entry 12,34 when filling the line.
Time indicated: 1,57
